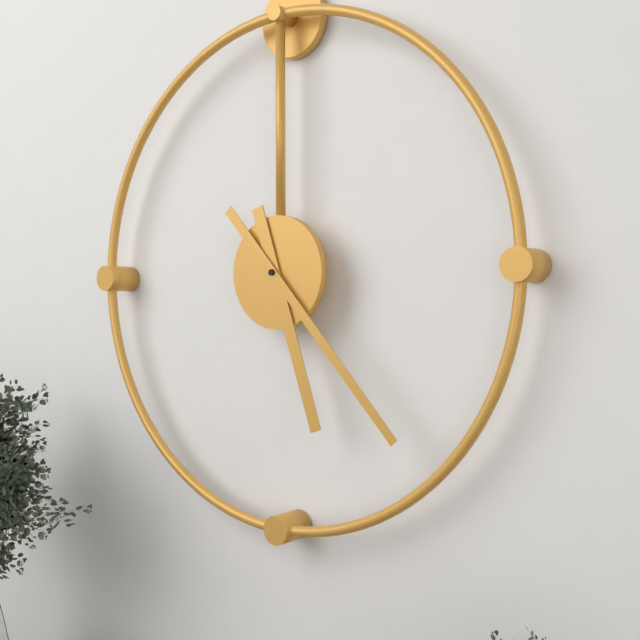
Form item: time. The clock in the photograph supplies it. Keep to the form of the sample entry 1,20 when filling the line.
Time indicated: 5,23
